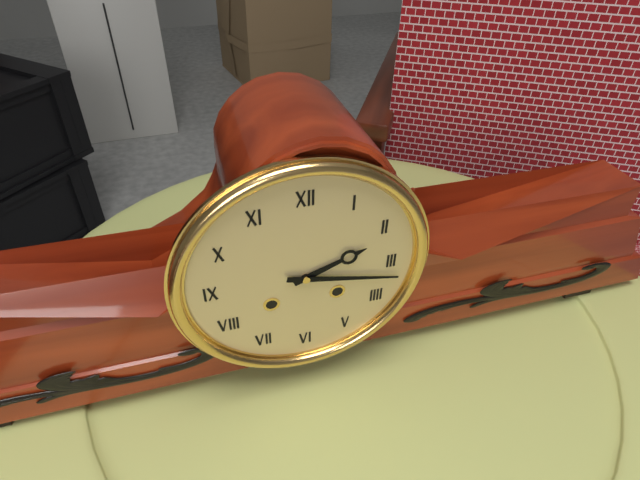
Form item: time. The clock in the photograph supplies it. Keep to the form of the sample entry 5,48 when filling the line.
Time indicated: 2,17
